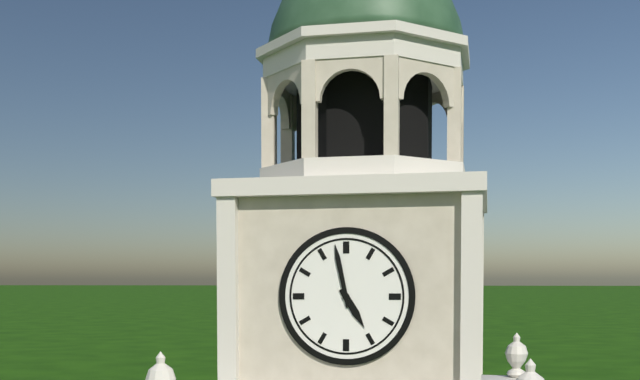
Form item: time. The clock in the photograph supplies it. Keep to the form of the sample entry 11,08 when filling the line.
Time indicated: 4,58
